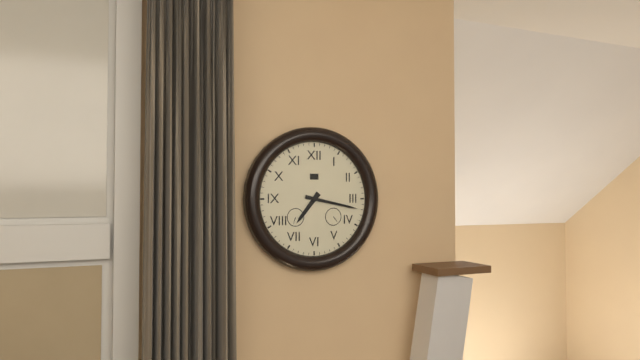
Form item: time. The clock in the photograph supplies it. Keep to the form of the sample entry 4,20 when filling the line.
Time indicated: 7,17
